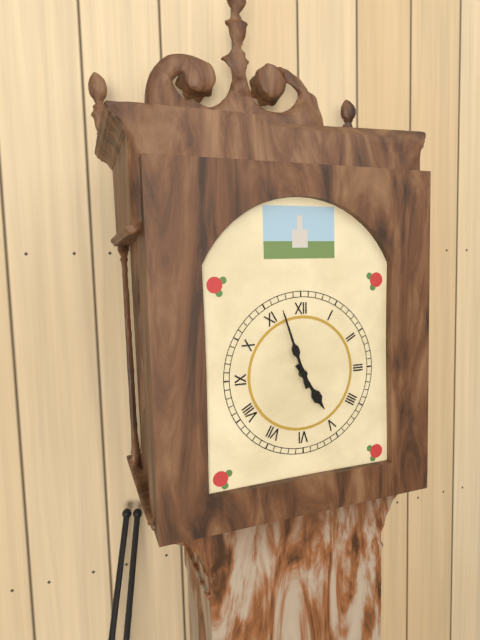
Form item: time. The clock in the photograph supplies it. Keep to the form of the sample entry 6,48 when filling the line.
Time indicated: 4,57
